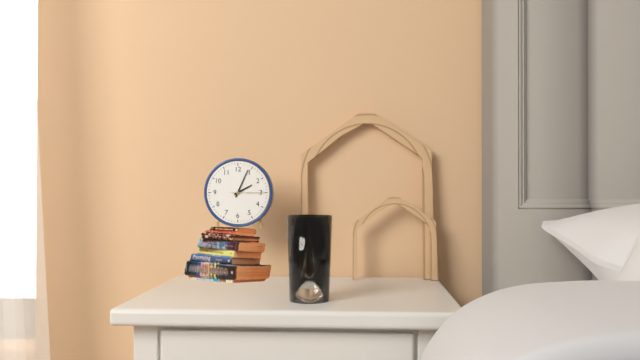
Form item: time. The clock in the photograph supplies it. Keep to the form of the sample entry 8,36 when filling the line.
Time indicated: 2,04
